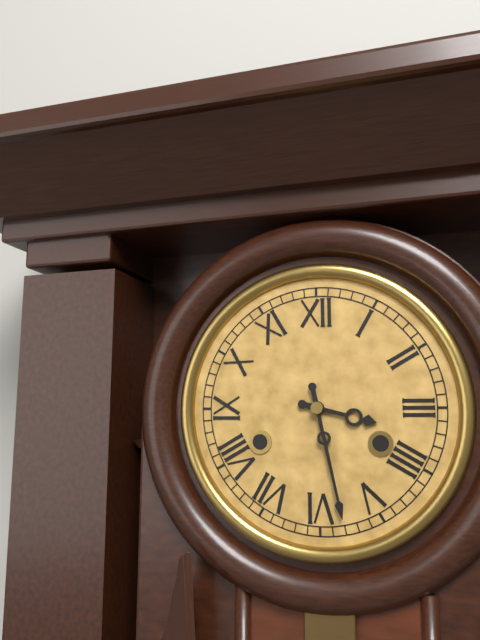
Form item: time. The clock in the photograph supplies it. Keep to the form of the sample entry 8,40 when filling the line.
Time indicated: 3,28
